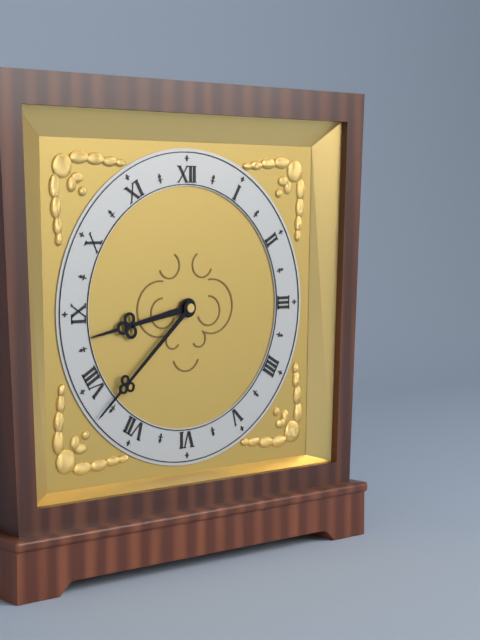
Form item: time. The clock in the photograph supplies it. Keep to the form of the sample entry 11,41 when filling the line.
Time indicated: 8,38
